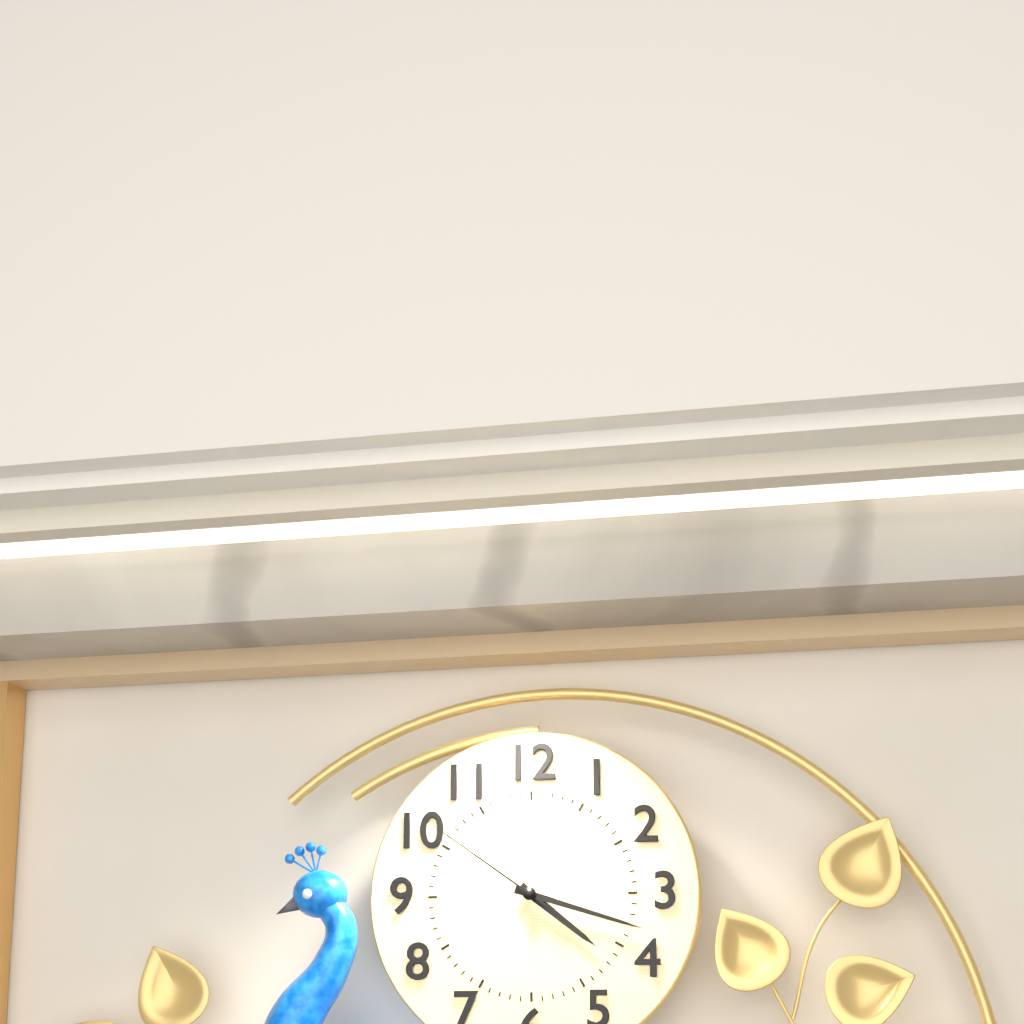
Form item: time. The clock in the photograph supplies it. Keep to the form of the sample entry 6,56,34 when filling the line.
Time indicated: 4,18,51
